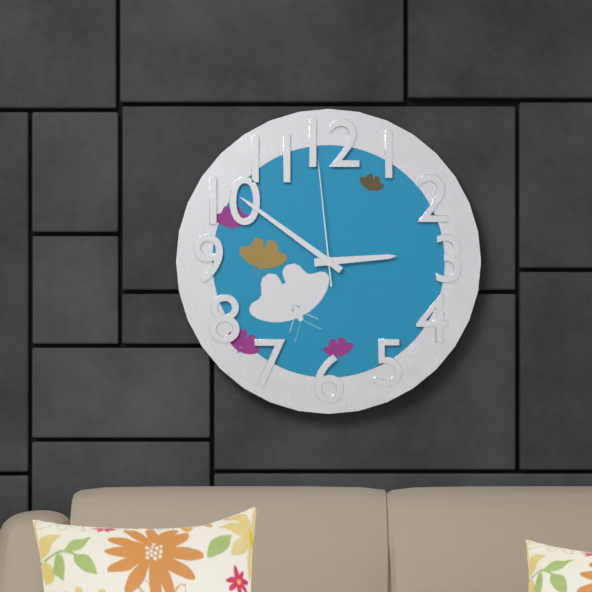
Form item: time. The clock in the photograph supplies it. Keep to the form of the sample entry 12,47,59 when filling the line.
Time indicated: 2,51,59
